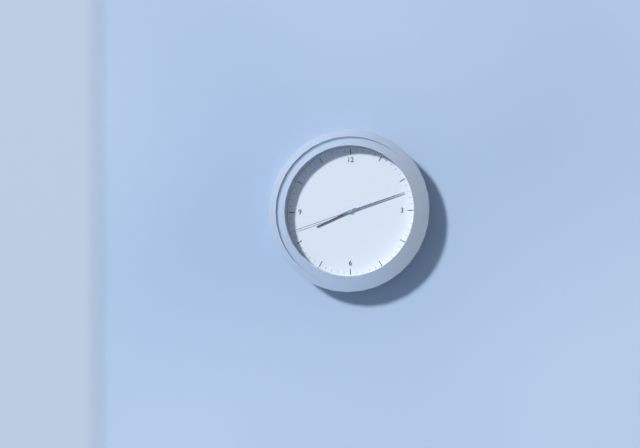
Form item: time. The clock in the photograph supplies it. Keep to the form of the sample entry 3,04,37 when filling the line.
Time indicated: 8,12,42
